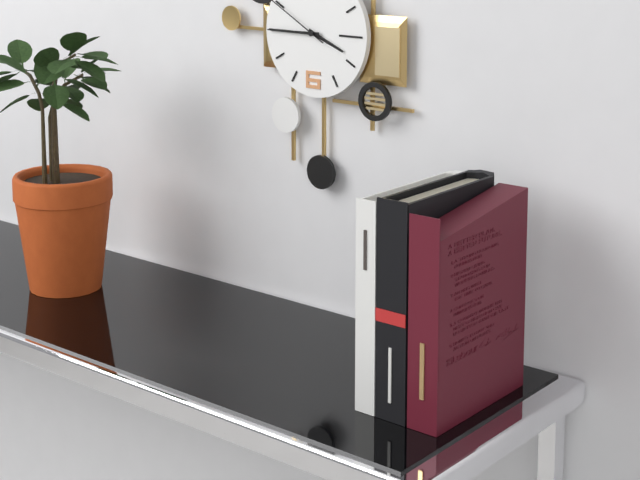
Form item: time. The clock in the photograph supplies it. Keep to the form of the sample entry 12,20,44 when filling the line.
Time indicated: 3,45,50
